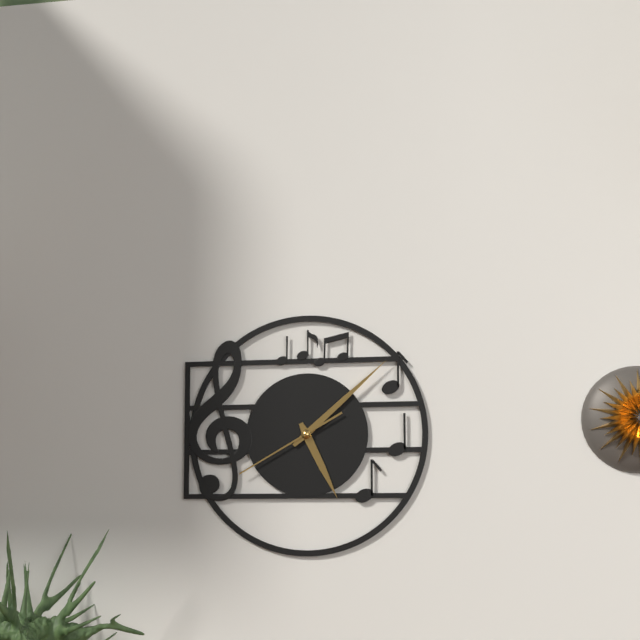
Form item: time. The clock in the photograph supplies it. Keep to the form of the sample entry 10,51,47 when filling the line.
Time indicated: 5,08,40
